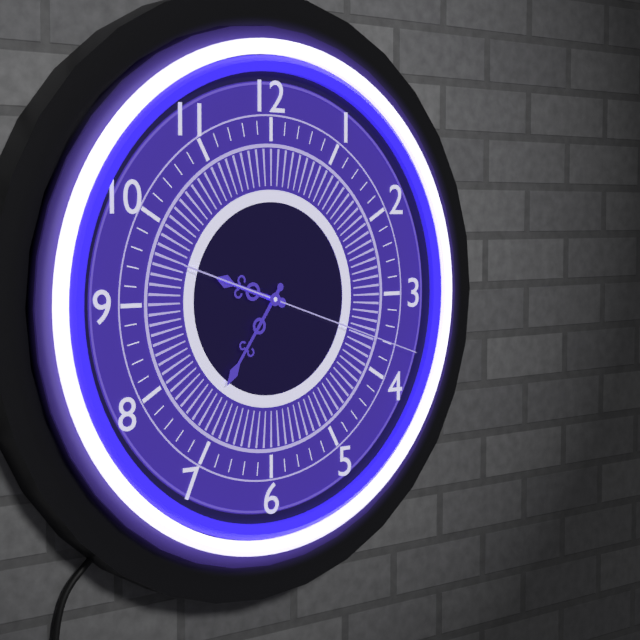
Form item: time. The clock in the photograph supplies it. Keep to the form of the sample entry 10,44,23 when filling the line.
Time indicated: 9,36,18
